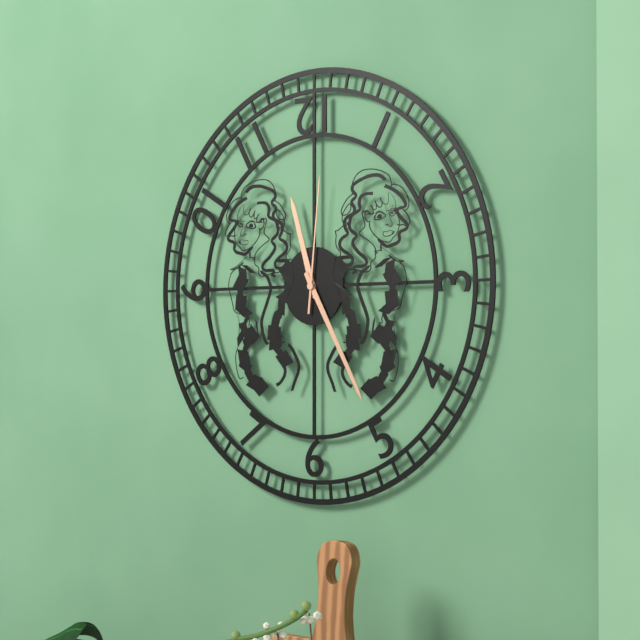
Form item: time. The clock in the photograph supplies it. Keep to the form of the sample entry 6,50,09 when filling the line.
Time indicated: 11,25,01
